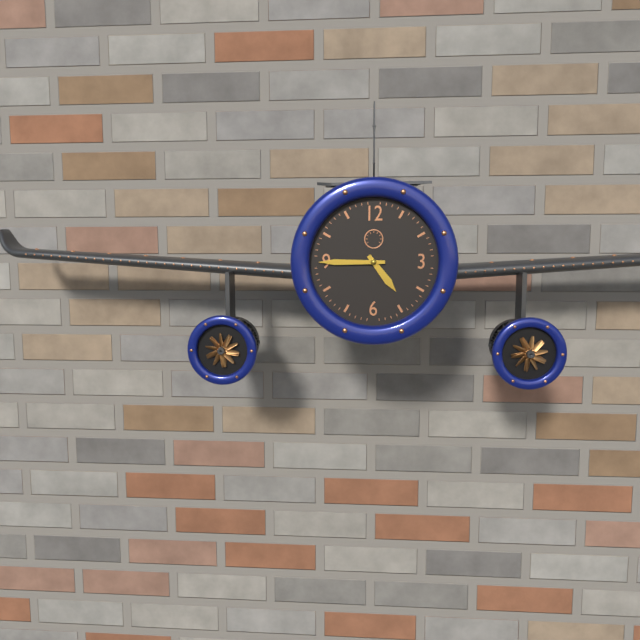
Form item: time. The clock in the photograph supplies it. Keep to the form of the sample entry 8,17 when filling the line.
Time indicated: 4,45
